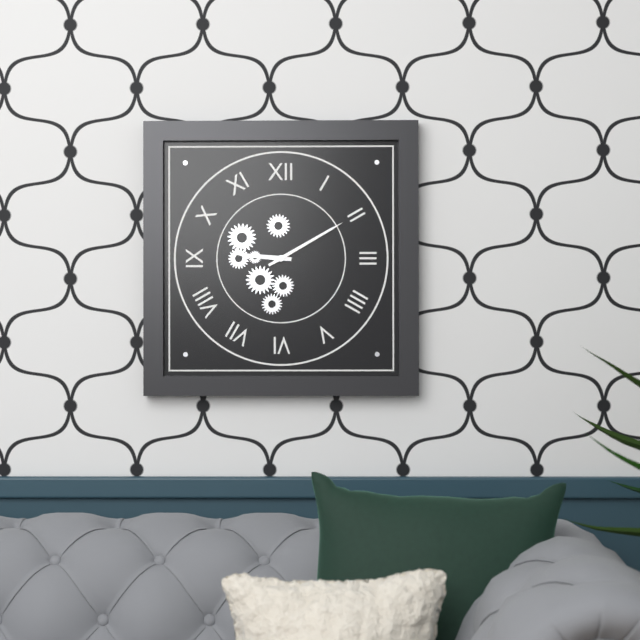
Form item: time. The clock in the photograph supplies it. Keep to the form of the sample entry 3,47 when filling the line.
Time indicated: 9,10
